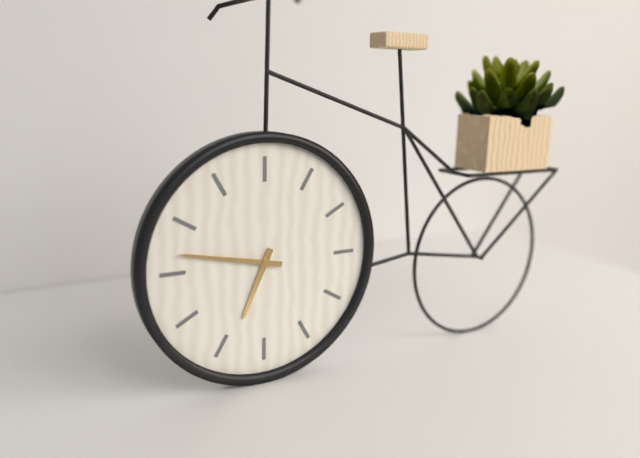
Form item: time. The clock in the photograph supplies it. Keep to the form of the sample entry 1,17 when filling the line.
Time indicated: 6,47
